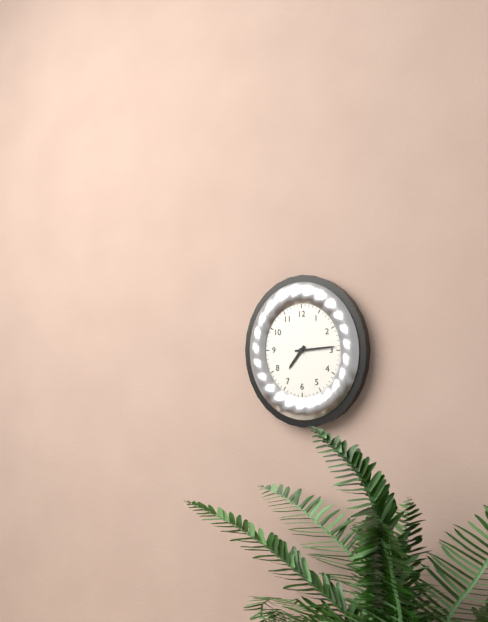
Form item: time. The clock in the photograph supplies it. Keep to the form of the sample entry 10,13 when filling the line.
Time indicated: 7,14
